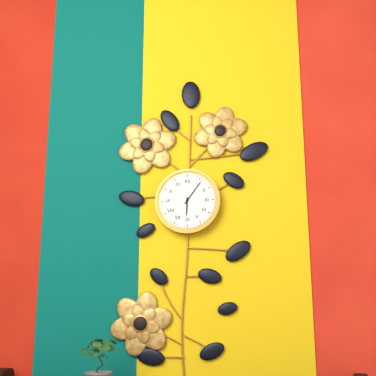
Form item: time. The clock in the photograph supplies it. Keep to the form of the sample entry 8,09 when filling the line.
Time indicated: 6,06
